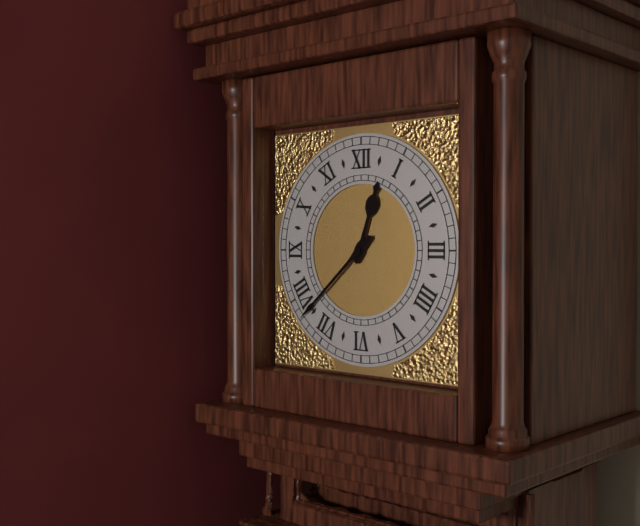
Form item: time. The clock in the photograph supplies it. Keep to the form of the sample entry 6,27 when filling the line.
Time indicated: 12,38
